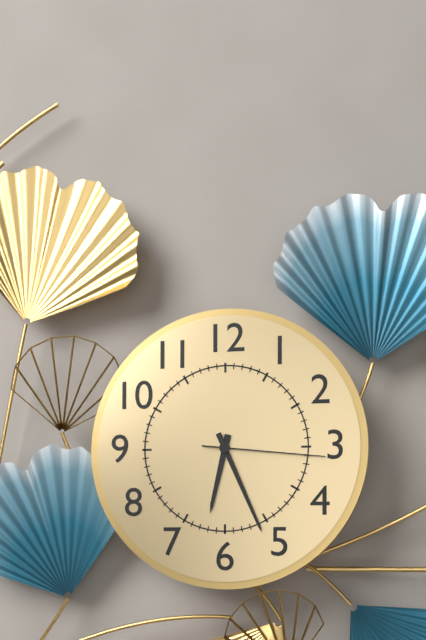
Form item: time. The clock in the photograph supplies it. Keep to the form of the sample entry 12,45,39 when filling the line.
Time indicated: 6,26,16
